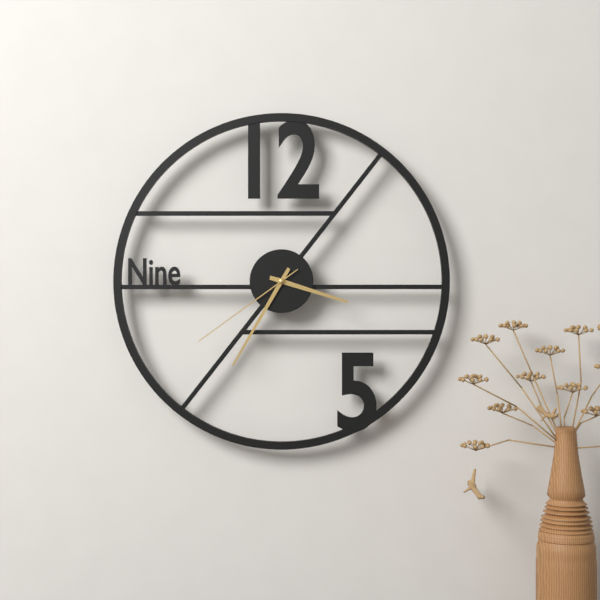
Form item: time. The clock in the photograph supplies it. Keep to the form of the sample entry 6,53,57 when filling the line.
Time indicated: 3,35,39
